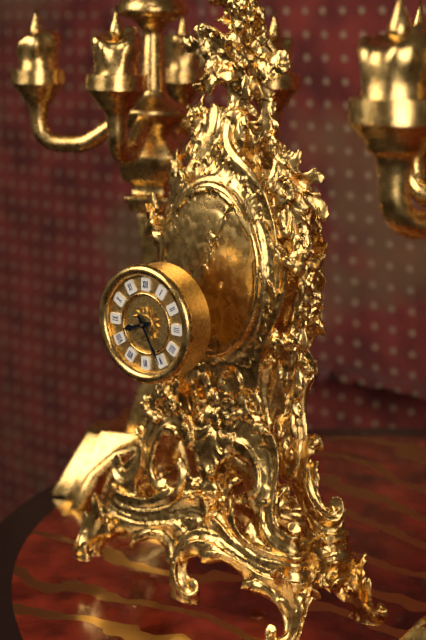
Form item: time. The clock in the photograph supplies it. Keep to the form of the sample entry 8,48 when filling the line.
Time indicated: 8,25
